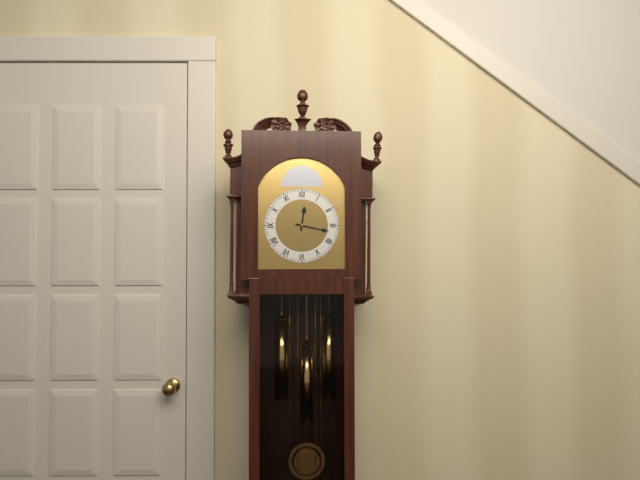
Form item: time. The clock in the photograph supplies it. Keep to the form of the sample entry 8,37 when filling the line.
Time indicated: 12,17
